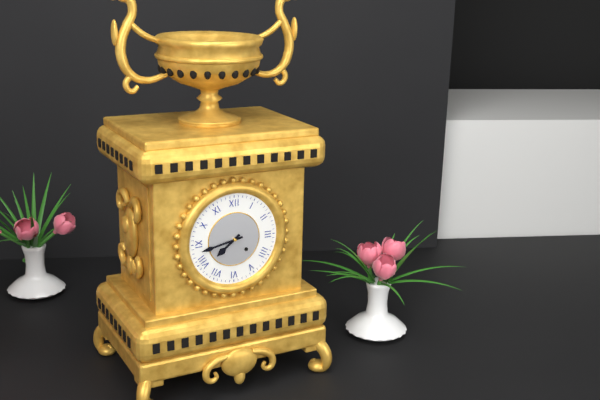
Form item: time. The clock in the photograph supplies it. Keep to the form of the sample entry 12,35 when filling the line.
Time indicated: 7,43
